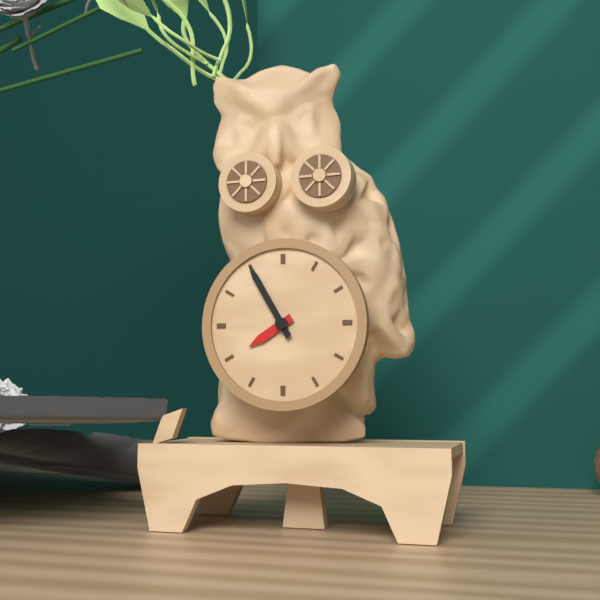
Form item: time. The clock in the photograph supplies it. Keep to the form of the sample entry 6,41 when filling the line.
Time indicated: 7,55
